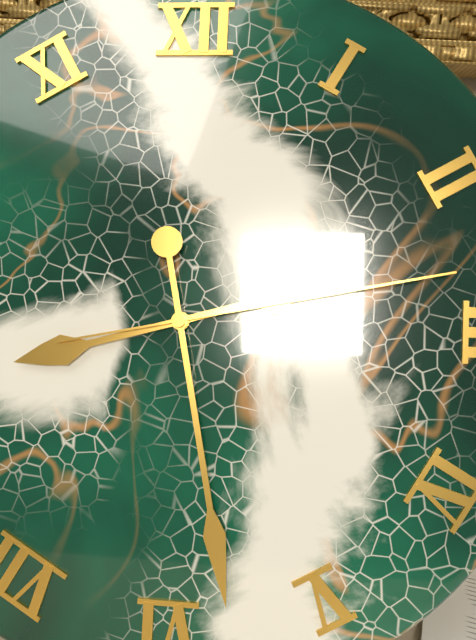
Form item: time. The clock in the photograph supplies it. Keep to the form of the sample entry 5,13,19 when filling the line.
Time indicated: 8,28,13
